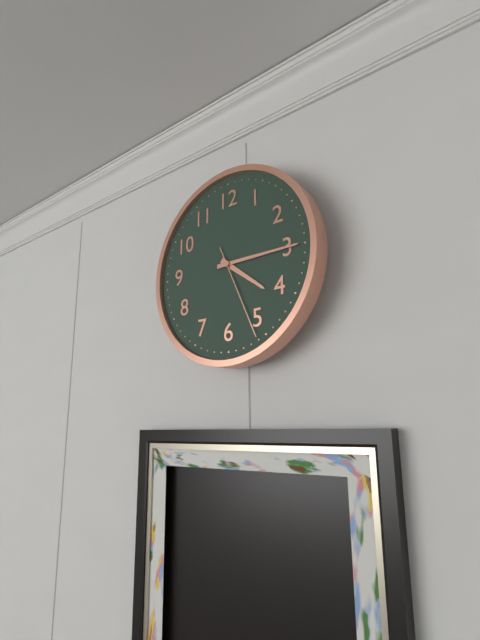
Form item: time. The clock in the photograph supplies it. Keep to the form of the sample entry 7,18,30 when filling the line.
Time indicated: 4,15,26
